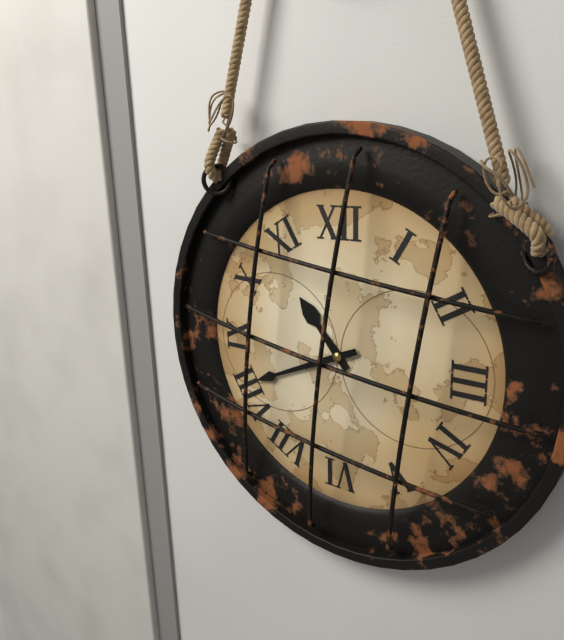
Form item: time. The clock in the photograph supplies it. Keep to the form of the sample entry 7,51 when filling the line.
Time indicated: 10,41
